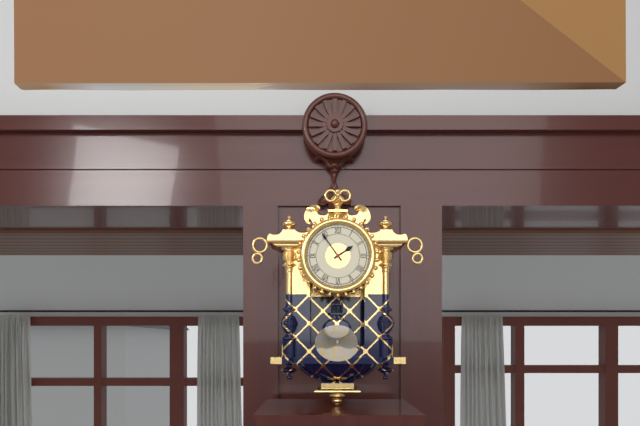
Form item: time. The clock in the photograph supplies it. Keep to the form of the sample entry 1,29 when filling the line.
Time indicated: 1,54
